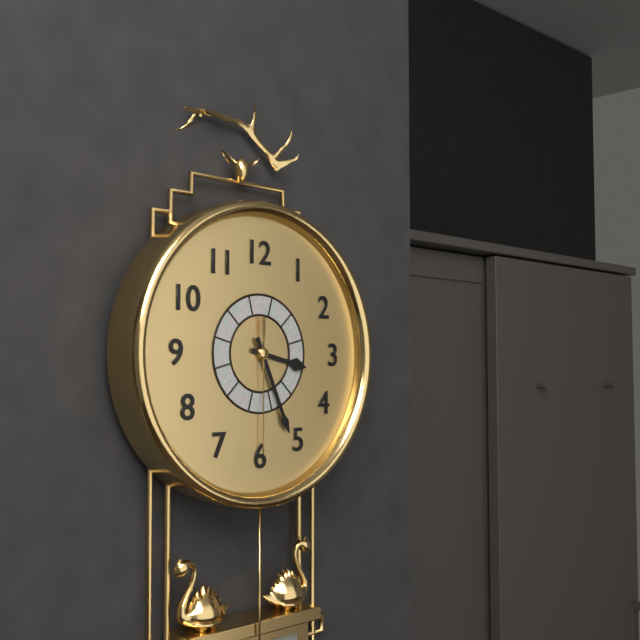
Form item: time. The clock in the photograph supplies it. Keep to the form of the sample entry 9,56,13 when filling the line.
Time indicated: 3,26,30
